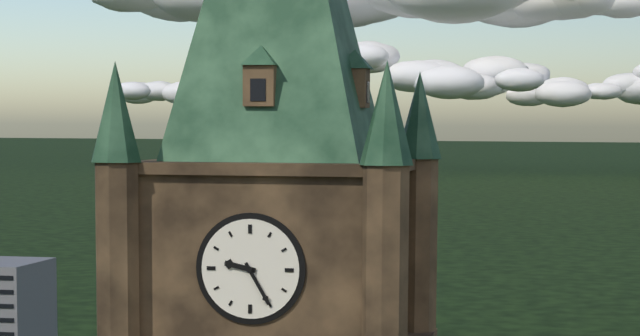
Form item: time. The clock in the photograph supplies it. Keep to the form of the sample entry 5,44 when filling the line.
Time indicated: 9,25
